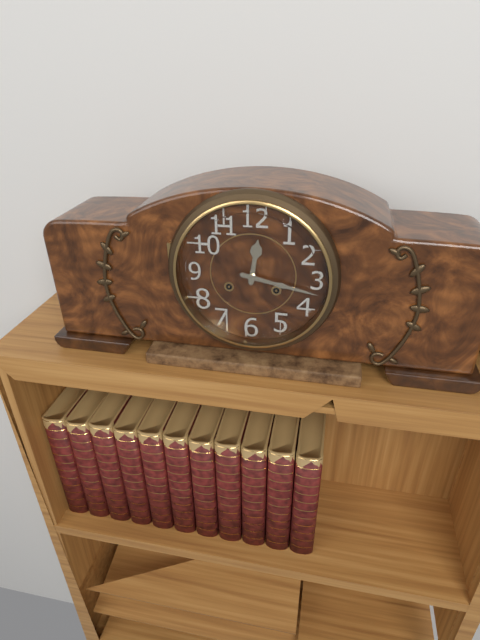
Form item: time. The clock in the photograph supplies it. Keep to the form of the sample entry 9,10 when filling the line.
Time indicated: 12,17
